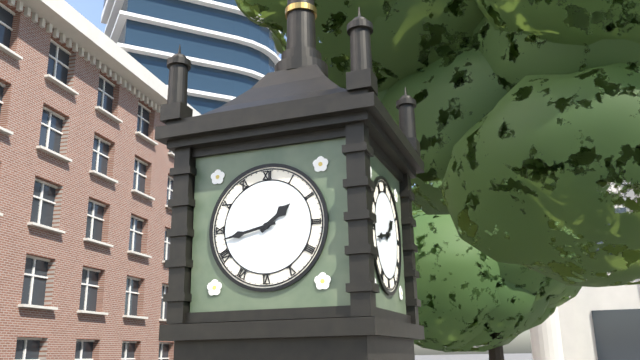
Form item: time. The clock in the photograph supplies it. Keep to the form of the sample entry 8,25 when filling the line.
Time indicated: 1,43
